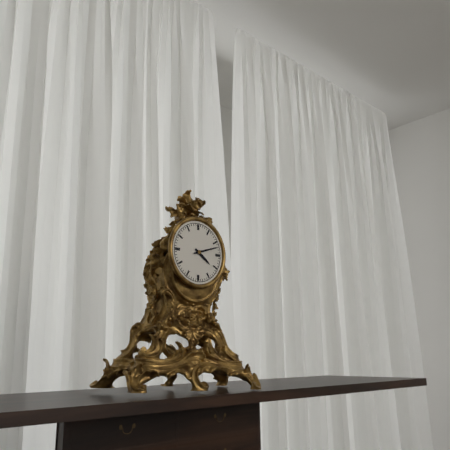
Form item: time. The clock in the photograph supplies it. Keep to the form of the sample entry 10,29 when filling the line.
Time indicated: 4,12
